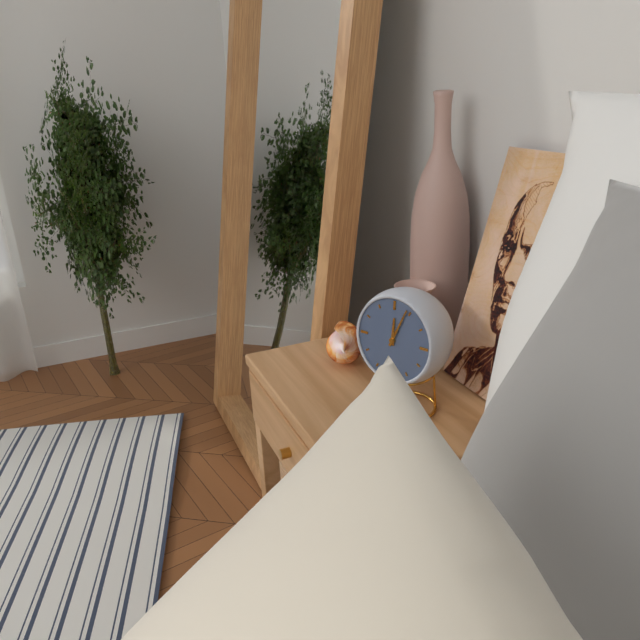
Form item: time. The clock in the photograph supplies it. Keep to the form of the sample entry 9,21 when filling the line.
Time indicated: 12,04
